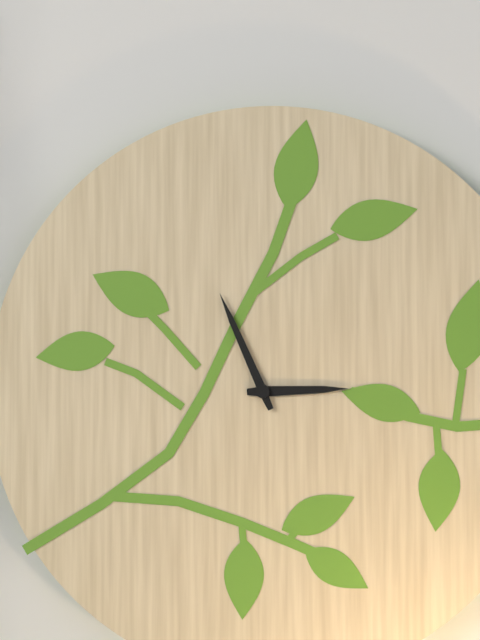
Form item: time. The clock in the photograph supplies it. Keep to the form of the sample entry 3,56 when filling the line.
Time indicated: 2,56
